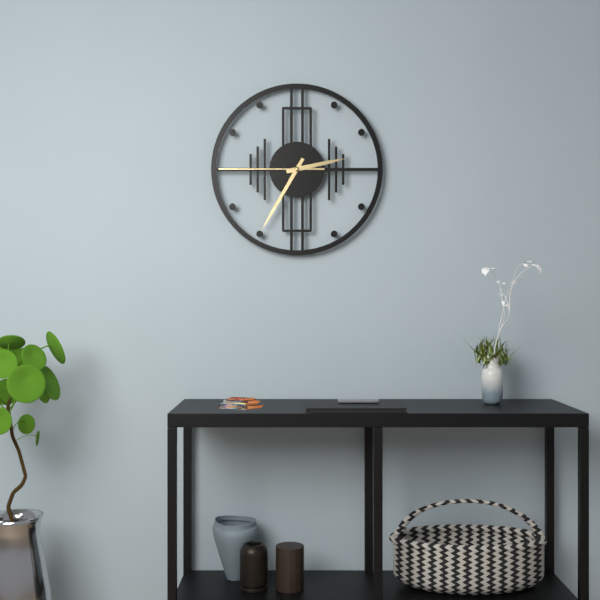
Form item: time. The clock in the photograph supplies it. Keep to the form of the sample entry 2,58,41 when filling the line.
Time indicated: 2,35,45
